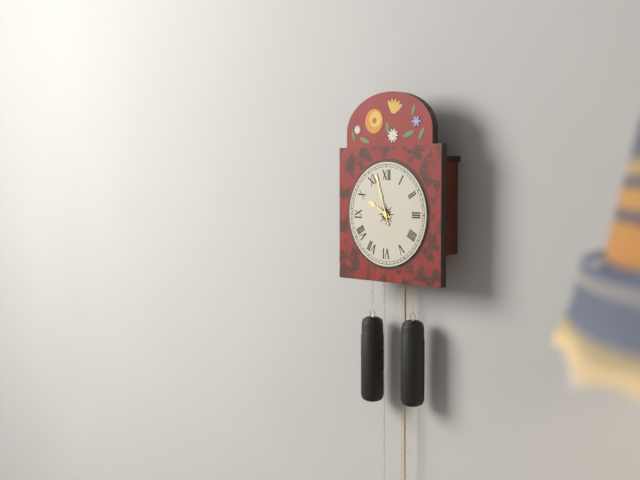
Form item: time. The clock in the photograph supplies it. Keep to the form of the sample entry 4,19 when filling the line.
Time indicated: 9,57
